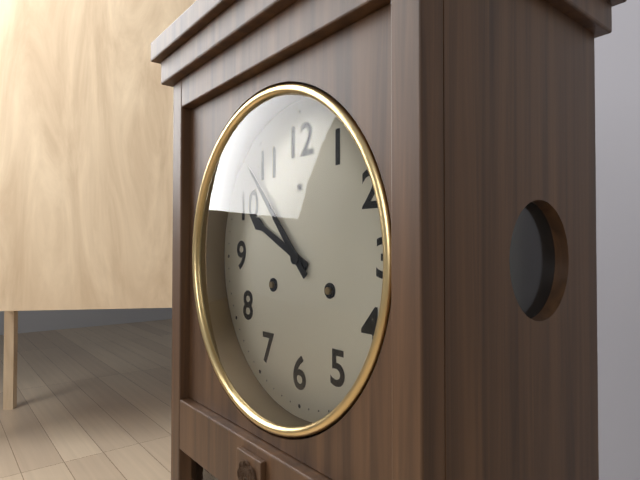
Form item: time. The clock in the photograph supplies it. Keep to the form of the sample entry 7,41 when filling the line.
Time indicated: 9,53
